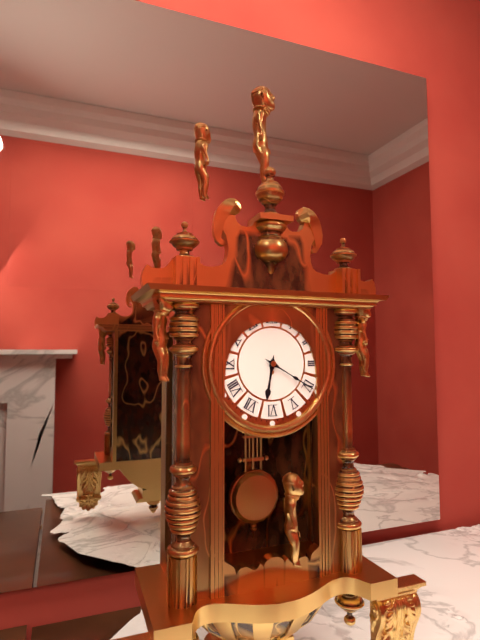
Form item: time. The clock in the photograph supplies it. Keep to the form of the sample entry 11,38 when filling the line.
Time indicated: 6,20
